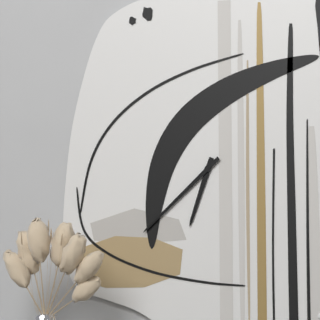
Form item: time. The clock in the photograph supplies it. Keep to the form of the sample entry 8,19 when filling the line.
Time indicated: 6,38
